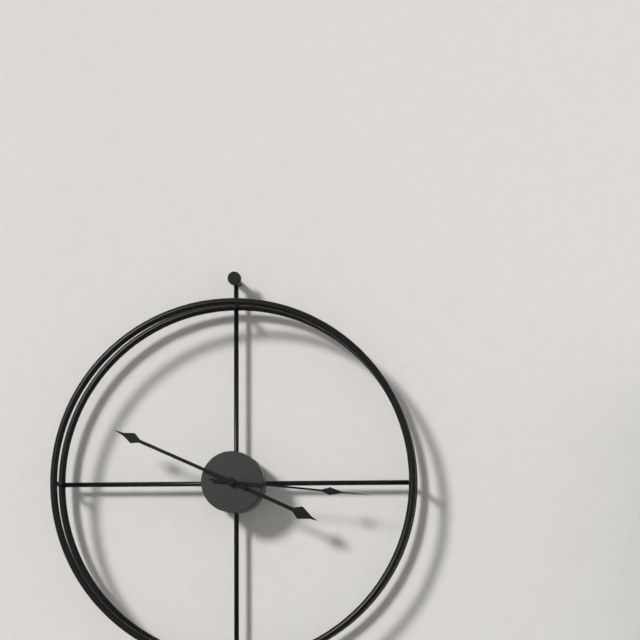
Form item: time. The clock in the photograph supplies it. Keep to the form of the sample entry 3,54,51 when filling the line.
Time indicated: 3,49,16
